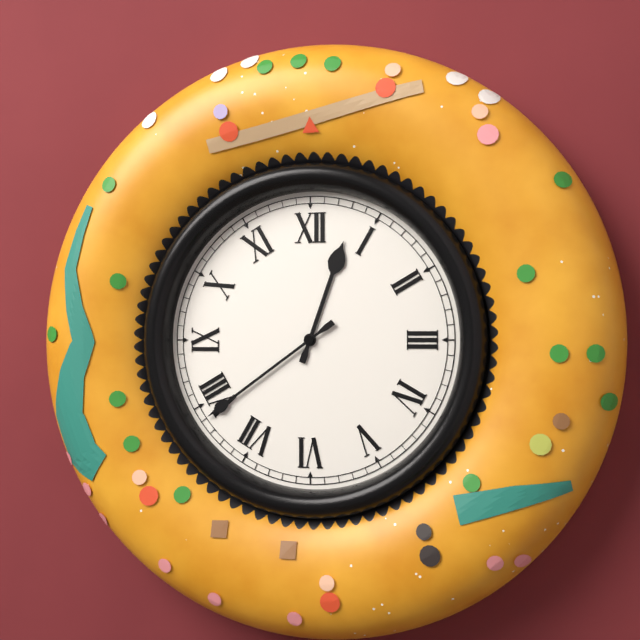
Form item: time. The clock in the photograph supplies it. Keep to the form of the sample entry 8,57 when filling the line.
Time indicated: 12,39
